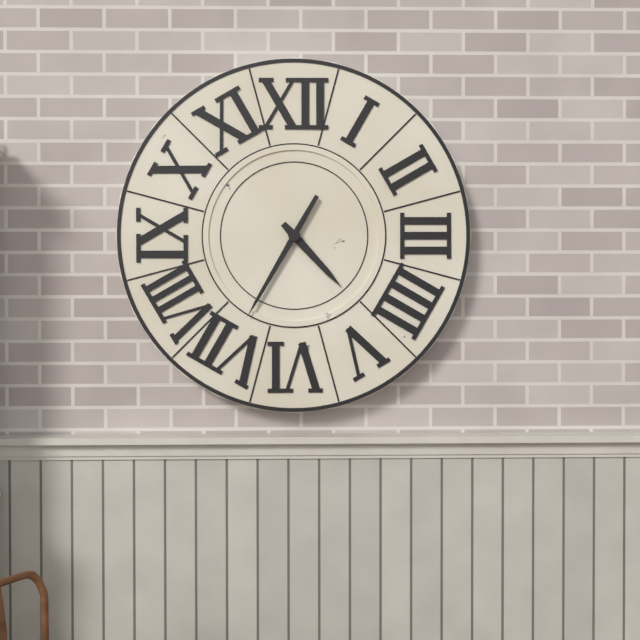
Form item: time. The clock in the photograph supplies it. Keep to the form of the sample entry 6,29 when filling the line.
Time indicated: 4,35
